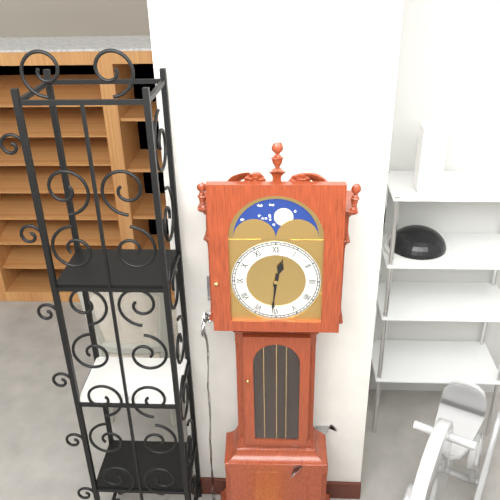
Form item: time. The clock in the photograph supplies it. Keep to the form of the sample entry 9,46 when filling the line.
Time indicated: 12,31
